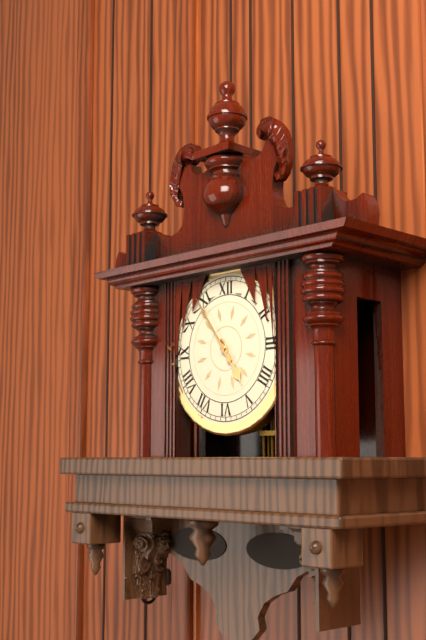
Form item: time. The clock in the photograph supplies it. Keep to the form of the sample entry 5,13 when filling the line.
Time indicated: 4,54
